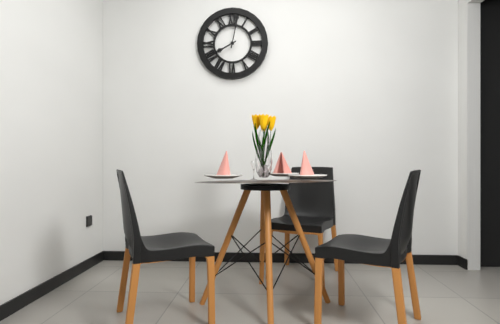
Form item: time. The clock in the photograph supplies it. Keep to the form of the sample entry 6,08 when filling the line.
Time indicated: 8,02
